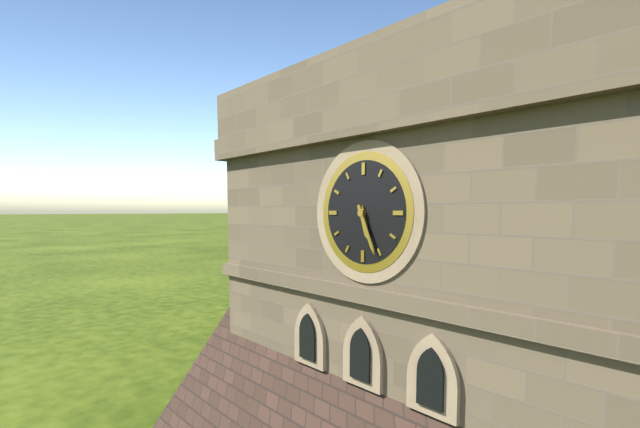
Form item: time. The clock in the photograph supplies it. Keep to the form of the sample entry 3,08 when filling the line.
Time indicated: 5,26
